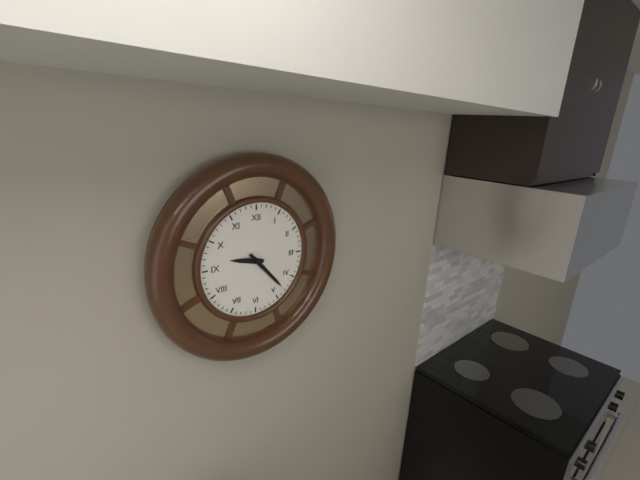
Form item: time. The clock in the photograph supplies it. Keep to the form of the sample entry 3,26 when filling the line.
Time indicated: 9,23
